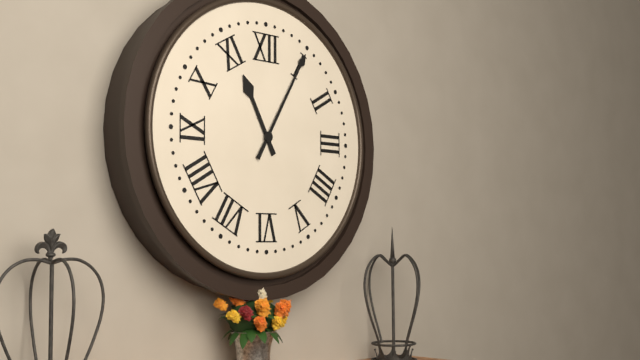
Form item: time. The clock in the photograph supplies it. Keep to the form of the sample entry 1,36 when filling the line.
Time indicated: 11,05
